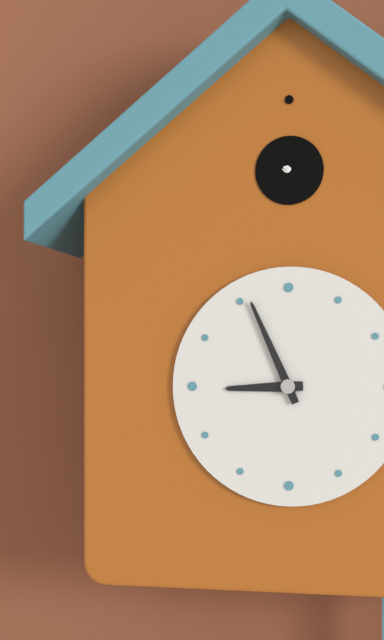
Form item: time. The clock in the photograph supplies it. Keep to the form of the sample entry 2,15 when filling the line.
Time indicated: 8,56
